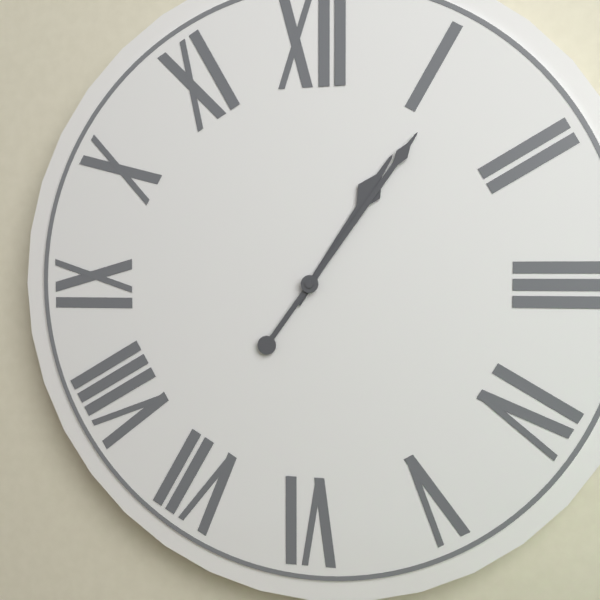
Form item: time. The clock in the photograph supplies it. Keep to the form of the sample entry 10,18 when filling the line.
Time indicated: 1,06
